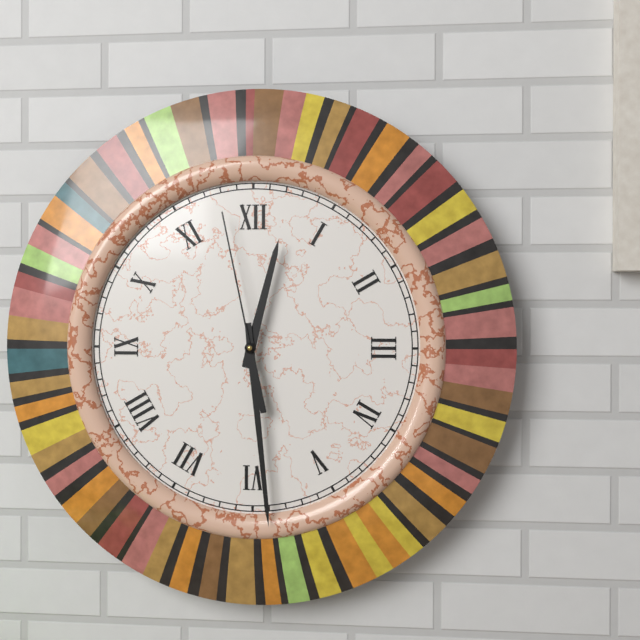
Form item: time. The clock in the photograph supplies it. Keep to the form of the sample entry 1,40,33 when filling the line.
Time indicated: 12,29,58
